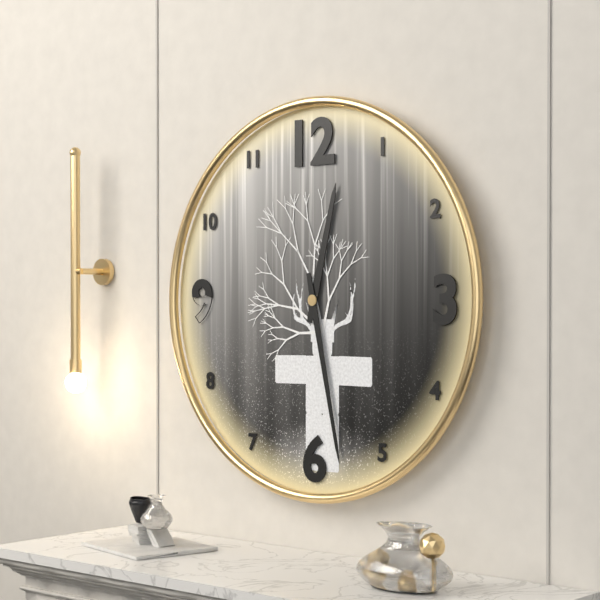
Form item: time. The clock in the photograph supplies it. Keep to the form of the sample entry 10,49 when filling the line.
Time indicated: 12,28
